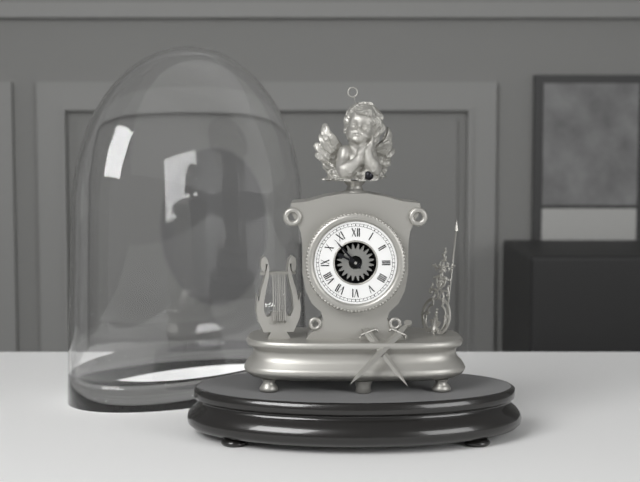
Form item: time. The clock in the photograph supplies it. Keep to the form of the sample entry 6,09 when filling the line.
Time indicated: 9,53
